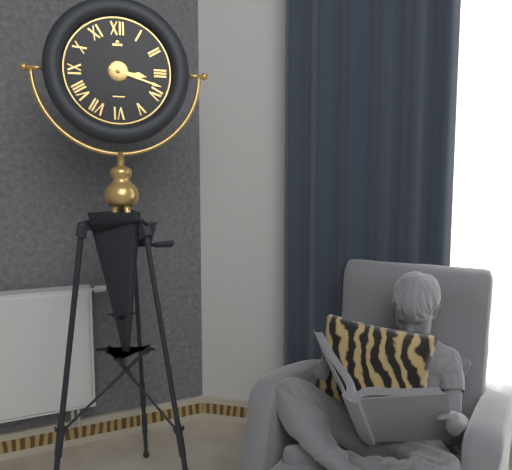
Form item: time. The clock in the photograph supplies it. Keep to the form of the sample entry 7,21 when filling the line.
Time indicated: 3,18
